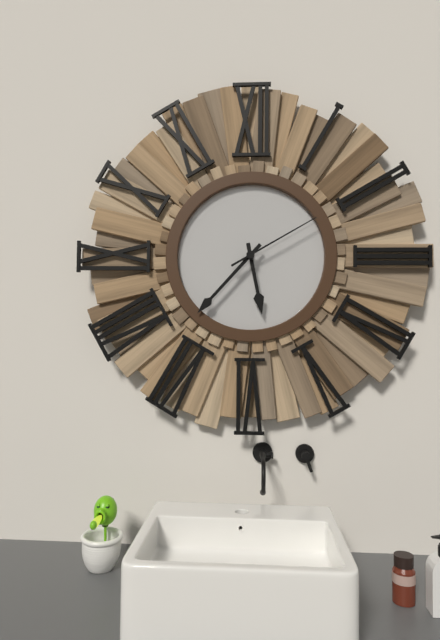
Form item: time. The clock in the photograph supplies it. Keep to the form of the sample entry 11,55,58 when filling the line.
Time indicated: 5,37,10
